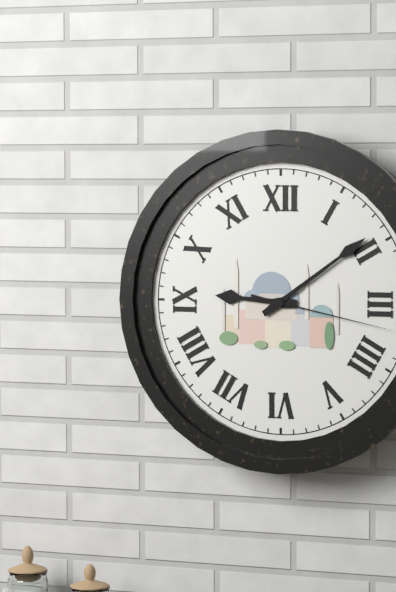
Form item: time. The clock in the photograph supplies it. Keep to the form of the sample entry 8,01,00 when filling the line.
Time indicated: 9,09,17
